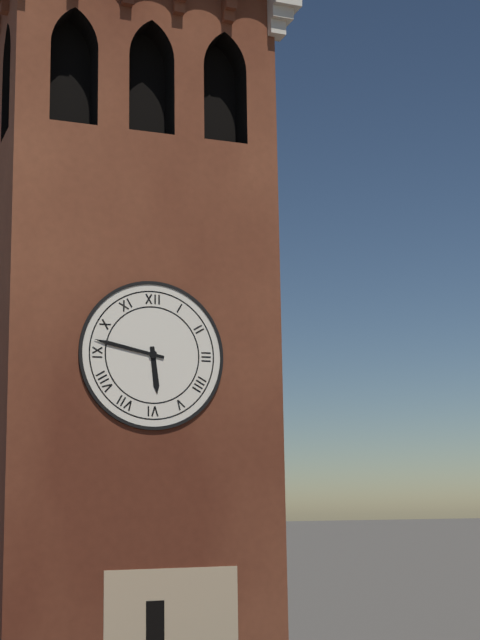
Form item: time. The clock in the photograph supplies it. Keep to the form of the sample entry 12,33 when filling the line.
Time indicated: 5,47
